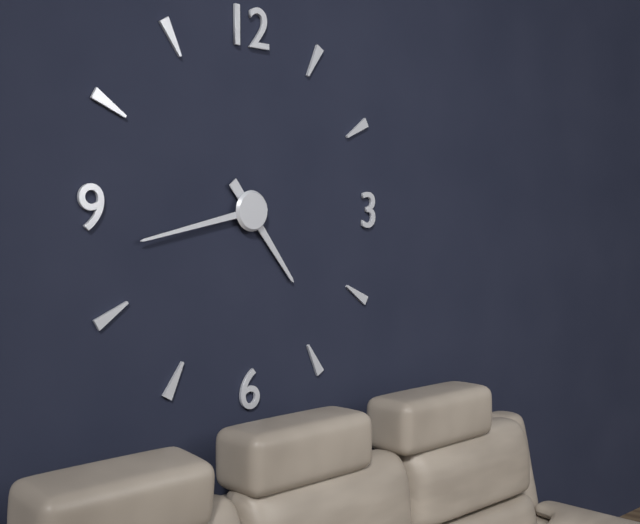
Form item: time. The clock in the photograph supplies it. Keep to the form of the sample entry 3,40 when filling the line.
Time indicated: 4,43
